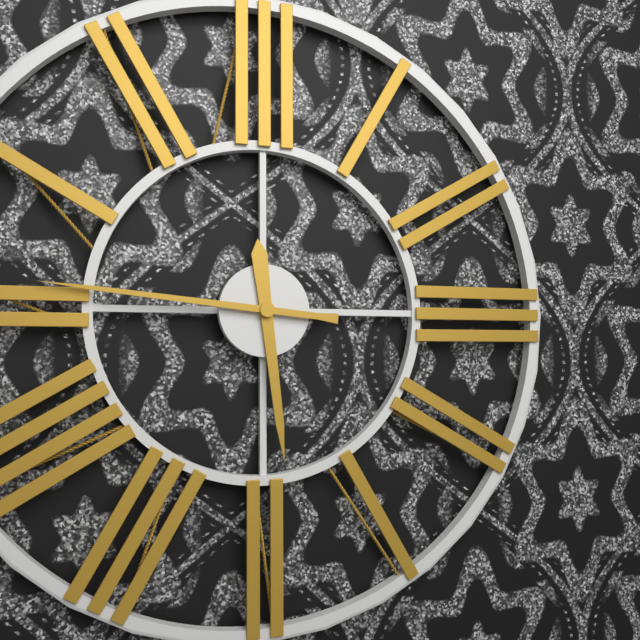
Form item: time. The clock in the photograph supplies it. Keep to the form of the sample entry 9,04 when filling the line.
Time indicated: 5,46
